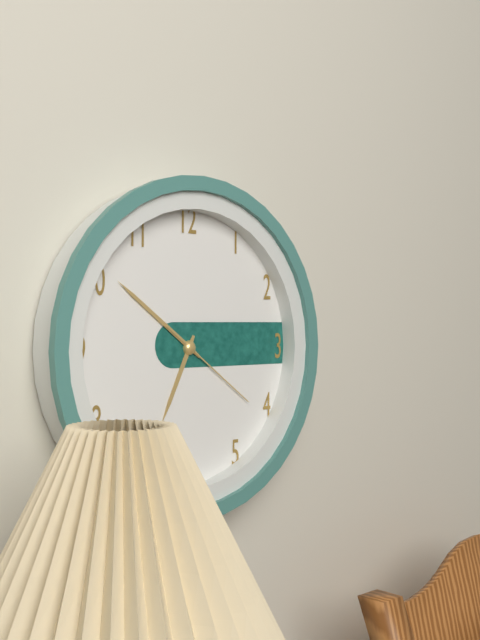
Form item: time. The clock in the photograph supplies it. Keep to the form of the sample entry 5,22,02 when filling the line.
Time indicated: 6,51,21
